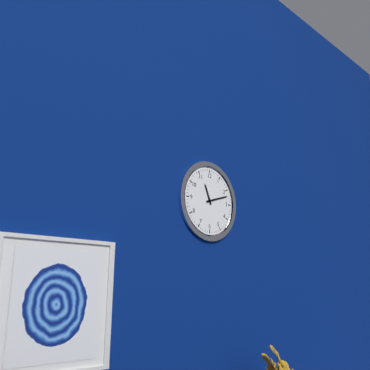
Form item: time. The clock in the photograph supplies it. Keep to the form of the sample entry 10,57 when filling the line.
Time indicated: 11,12
